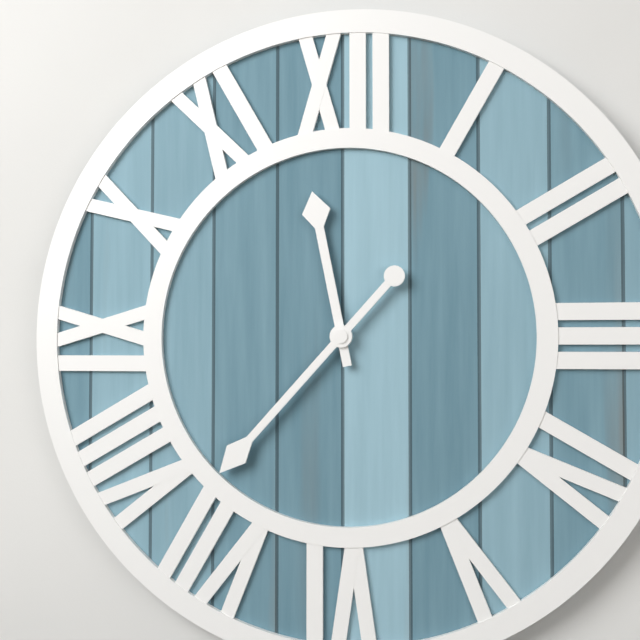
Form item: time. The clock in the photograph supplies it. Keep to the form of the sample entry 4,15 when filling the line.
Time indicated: 11,37
